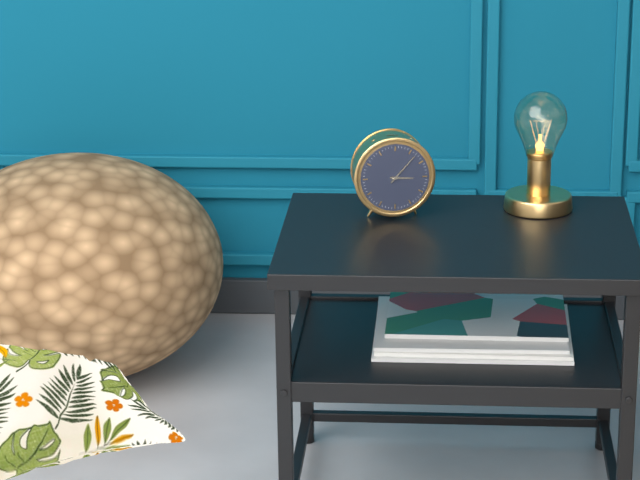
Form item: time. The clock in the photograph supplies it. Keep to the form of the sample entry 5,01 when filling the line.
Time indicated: 3,07
